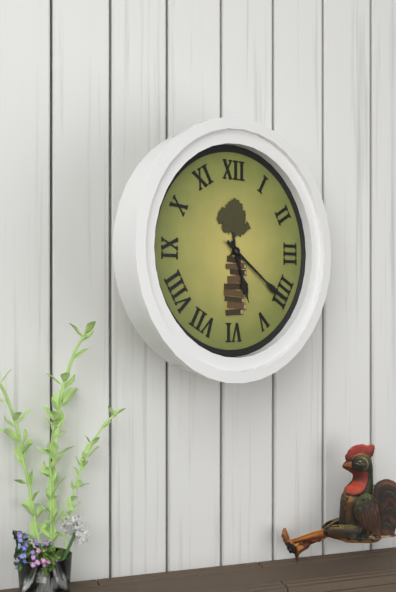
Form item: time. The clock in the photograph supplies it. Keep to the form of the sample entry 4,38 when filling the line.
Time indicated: 5,21
